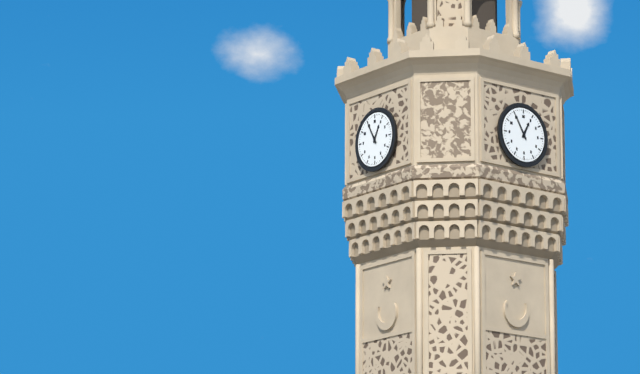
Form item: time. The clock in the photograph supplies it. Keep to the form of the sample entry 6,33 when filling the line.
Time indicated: 12,55
